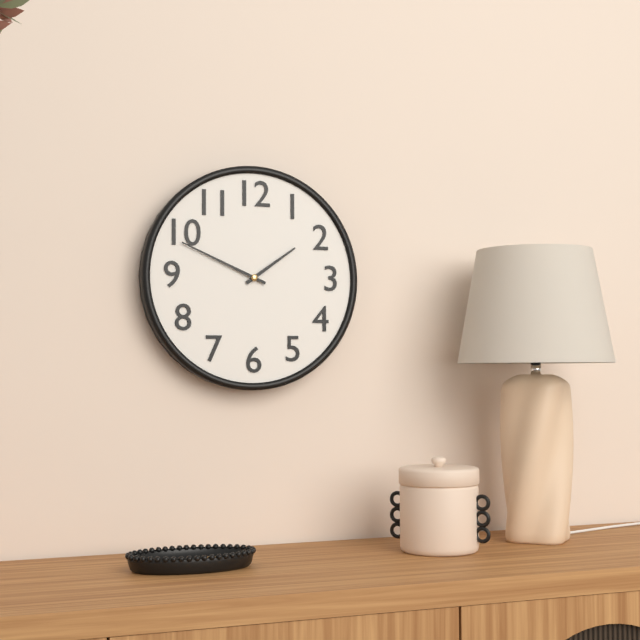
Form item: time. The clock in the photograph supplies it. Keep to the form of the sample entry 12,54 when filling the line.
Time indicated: 1,49
